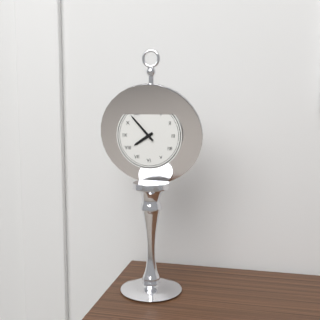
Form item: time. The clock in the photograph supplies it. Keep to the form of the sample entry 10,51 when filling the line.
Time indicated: 7,53
